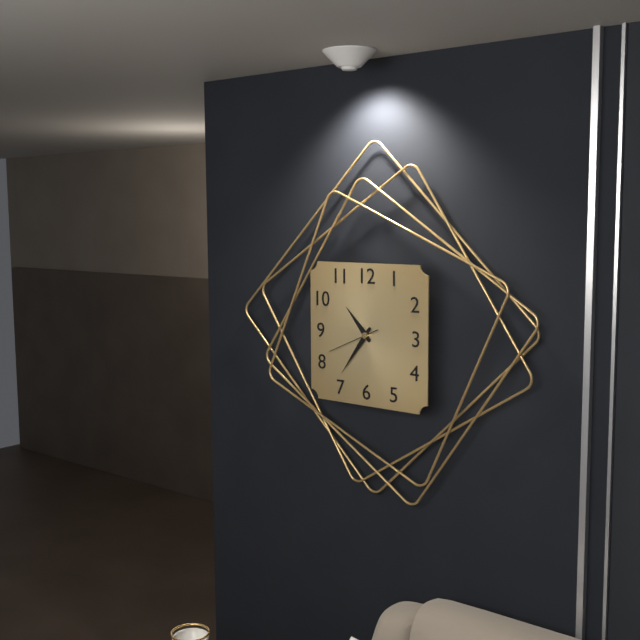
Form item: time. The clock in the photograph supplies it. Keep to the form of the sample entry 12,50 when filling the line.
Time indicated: 10,36
